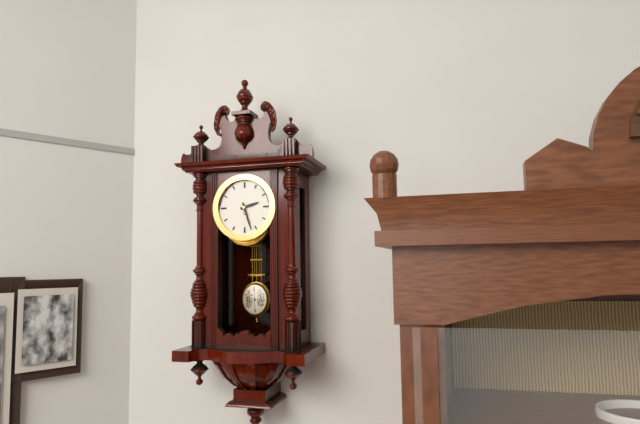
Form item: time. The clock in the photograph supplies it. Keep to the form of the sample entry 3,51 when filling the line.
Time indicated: 2,27
